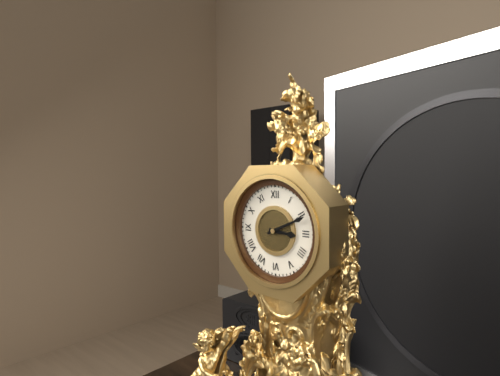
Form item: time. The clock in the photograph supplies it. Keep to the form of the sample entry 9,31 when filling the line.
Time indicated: 3,11
